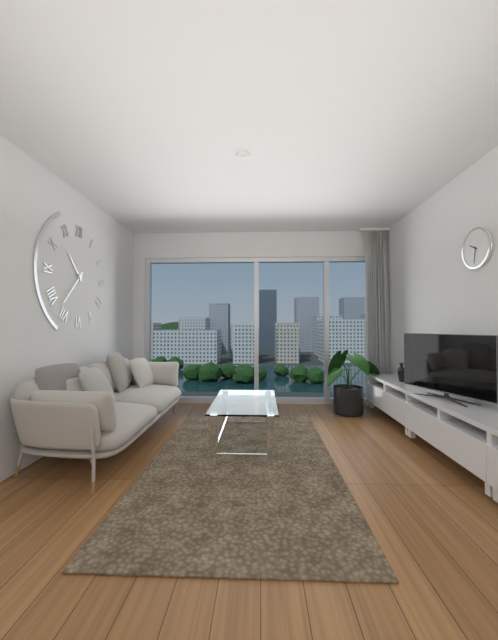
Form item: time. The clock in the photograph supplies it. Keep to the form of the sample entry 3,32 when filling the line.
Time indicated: 10,37
